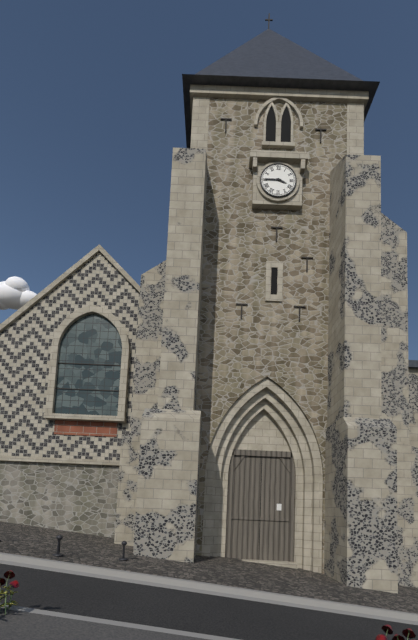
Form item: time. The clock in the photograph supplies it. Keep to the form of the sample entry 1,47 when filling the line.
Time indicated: 3,45
